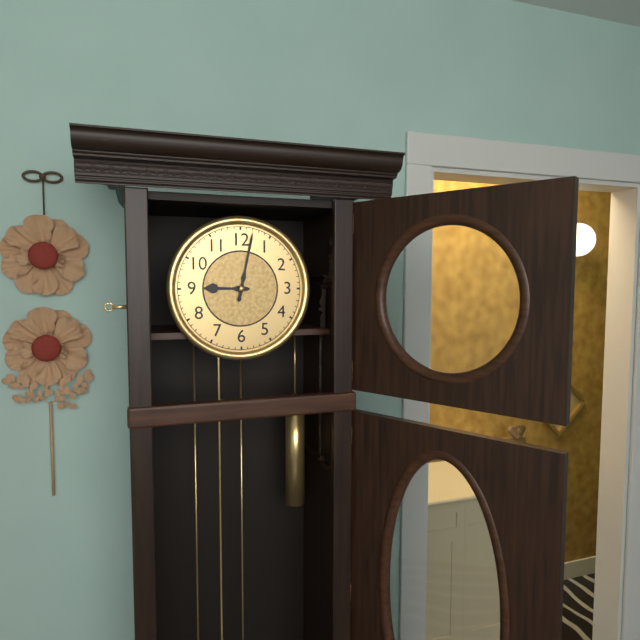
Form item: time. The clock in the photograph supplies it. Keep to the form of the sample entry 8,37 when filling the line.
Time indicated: 9,02
